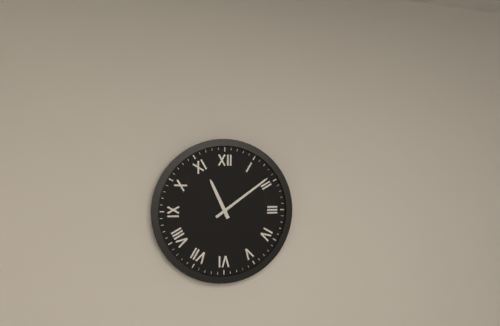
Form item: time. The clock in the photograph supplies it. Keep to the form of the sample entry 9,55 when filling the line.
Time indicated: 11,09
